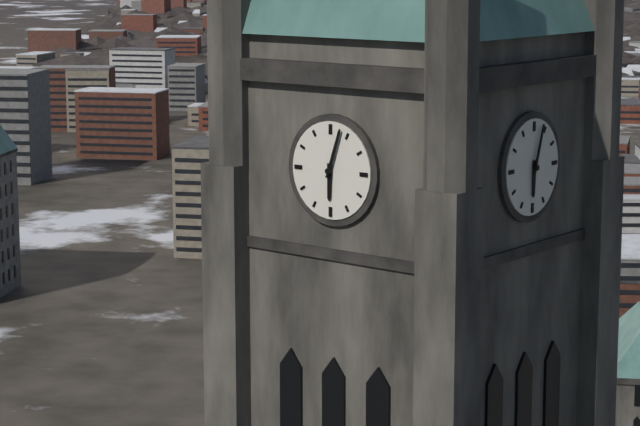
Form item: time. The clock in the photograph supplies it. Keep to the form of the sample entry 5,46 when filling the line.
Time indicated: 6,03
